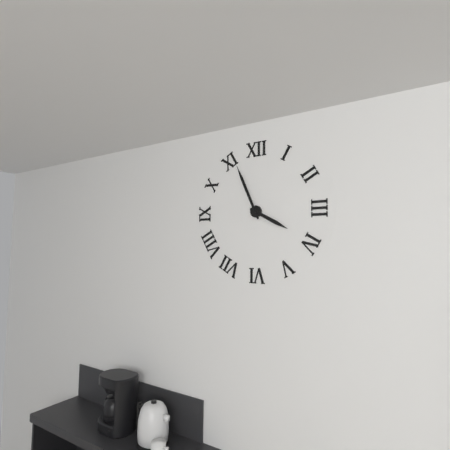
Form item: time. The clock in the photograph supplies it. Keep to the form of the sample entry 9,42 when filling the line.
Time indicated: 3,56
